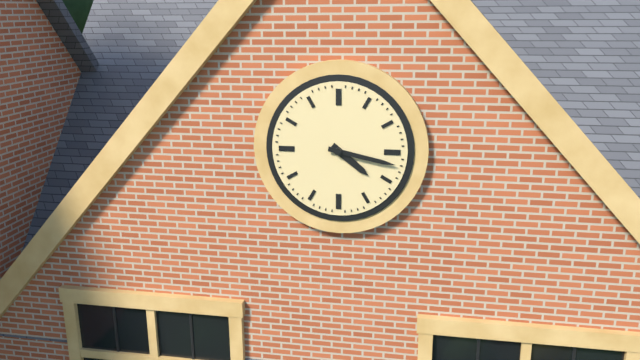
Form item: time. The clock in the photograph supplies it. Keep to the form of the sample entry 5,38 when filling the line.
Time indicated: 4,17
